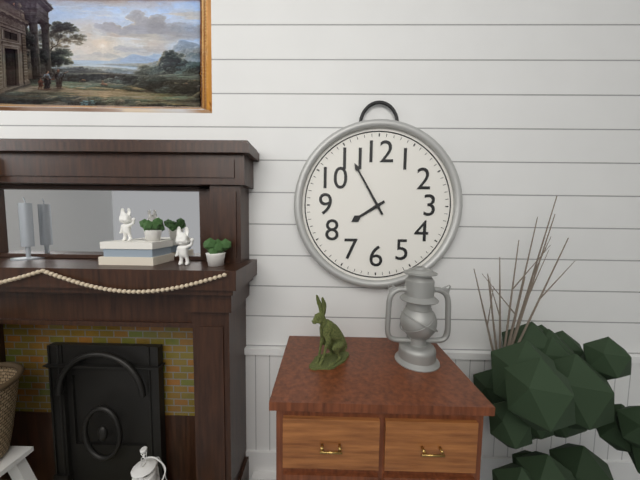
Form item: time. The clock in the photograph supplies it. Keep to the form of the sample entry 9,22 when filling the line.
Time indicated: 7,55
